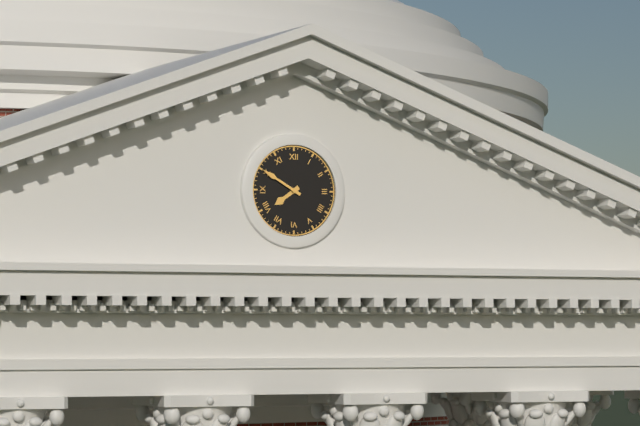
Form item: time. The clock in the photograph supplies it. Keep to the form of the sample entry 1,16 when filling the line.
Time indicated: 7,50
